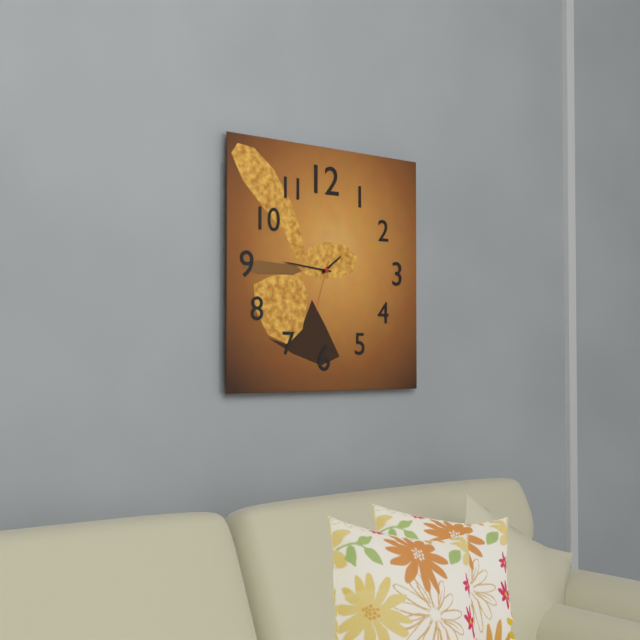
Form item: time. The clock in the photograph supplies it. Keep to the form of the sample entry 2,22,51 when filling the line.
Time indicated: 1,46,33
